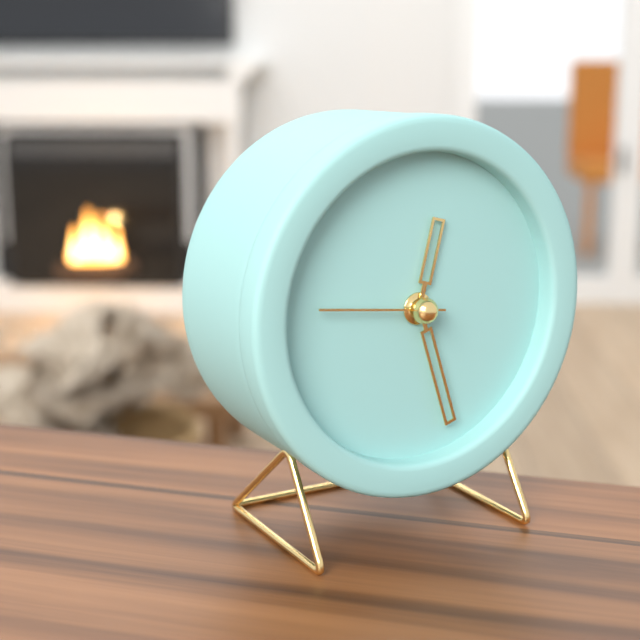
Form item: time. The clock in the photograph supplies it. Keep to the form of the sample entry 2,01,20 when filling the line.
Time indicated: 12,27,46
